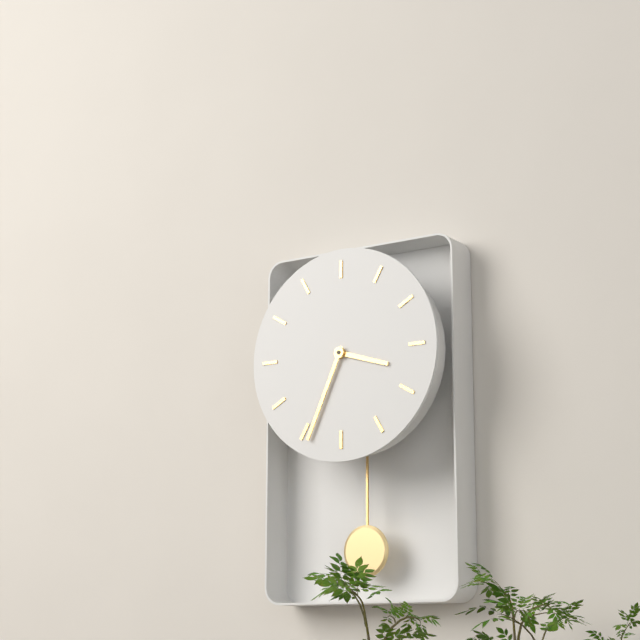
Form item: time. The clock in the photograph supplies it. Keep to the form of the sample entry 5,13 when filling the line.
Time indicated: 3,34
